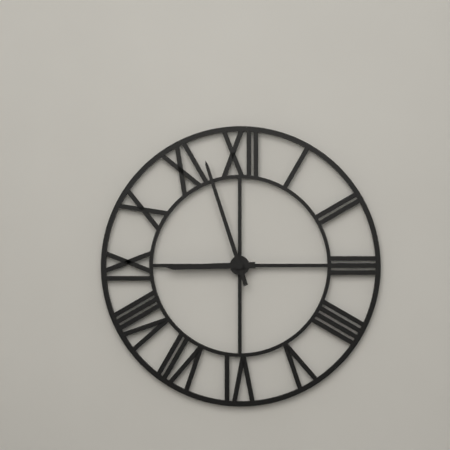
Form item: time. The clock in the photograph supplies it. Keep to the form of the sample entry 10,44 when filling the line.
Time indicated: 8,57
